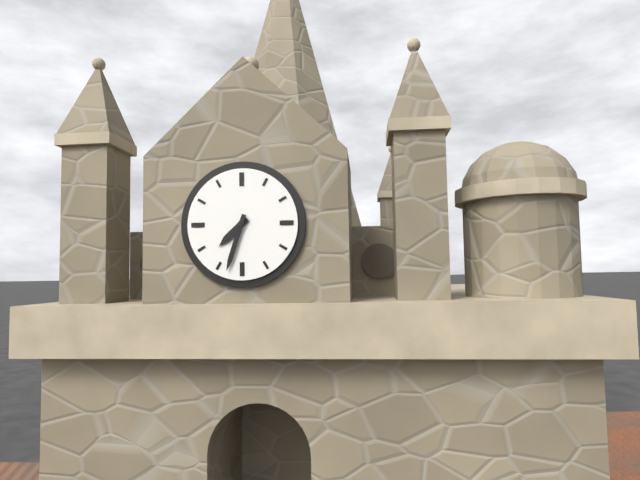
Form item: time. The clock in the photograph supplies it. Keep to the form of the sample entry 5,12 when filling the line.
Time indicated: 7,33
